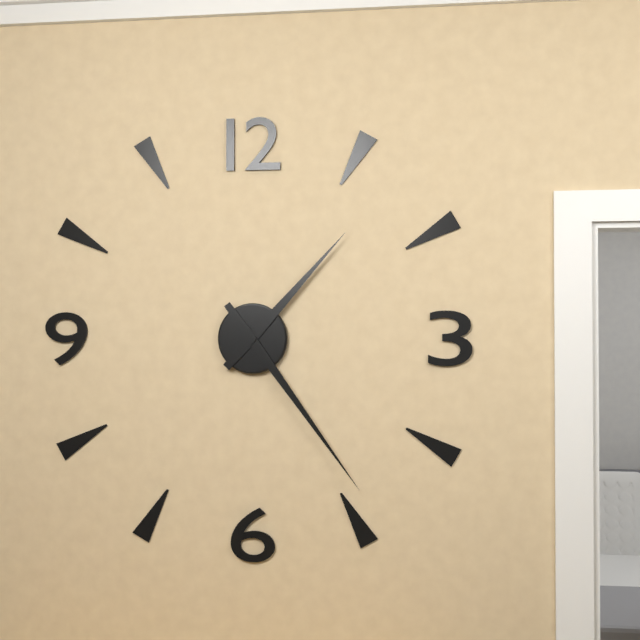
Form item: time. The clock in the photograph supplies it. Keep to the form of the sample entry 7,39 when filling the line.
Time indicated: 1,24
